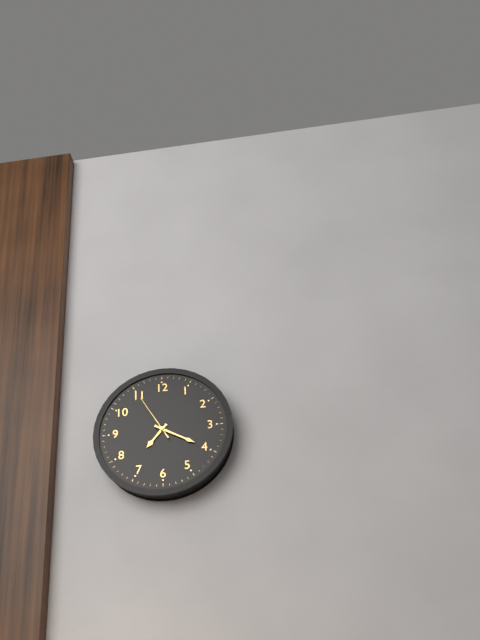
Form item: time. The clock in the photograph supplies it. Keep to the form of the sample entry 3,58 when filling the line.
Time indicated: 7,20
